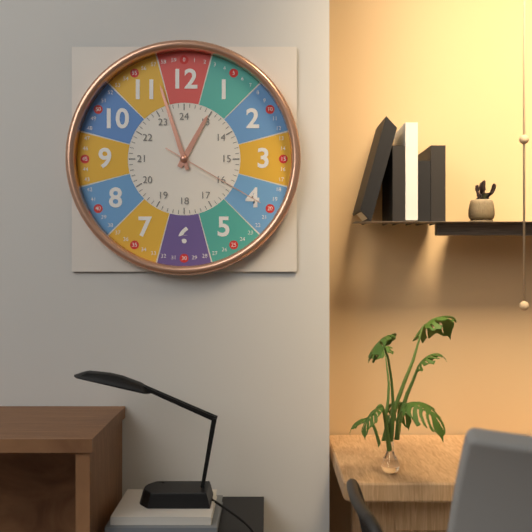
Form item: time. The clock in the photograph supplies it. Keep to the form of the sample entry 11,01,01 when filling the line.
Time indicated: 12,57,20
